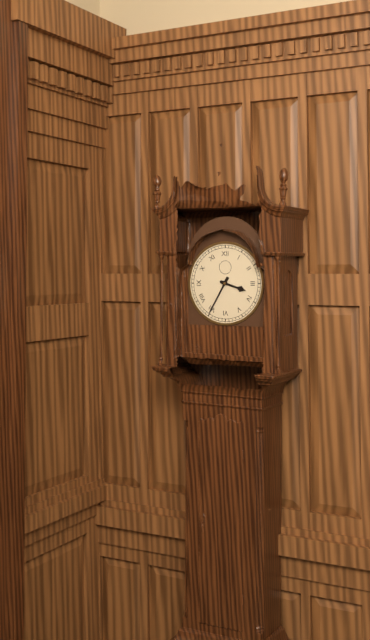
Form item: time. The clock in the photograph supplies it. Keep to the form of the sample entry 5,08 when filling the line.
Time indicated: 3,35
